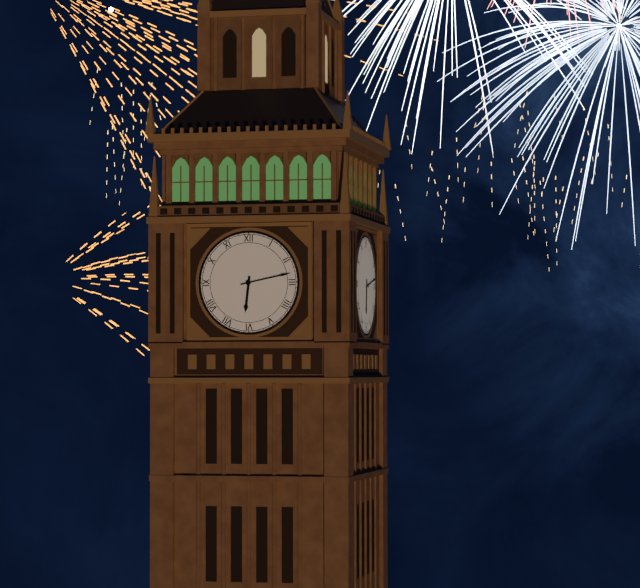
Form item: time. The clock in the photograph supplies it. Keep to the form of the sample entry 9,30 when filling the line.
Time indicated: 6,13
